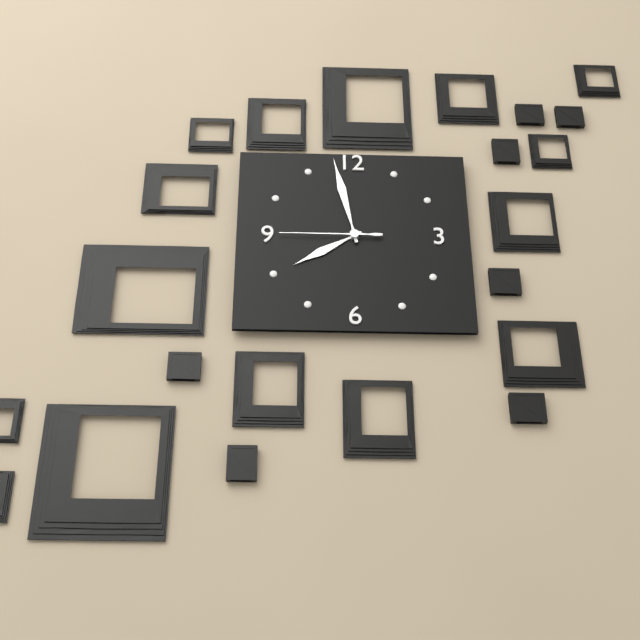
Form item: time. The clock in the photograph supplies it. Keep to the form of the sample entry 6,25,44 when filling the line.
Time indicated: 7,58,45
